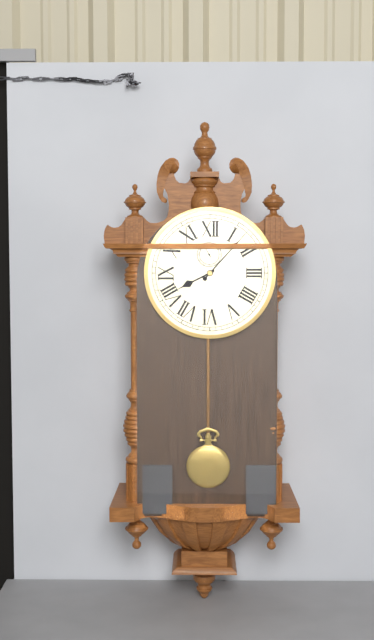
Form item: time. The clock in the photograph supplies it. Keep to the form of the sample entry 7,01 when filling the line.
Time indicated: 8,07
